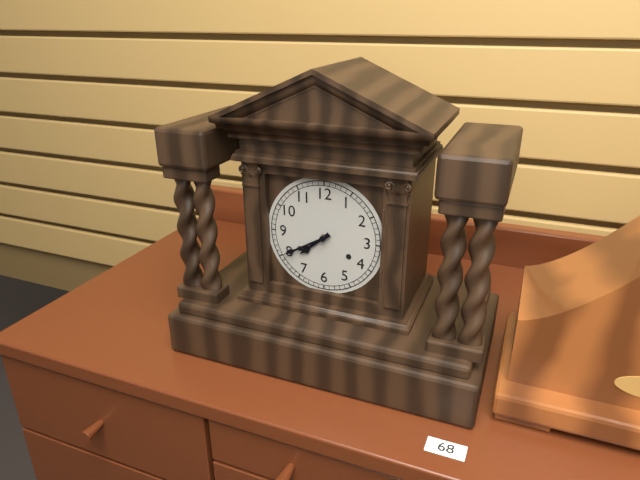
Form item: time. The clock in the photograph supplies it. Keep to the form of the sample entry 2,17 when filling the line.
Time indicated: 7,40
